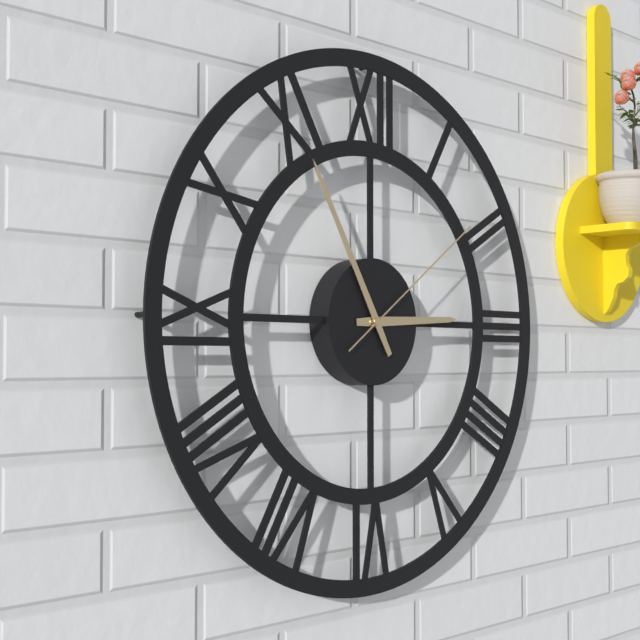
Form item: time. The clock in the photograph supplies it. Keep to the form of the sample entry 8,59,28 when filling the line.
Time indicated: 2,55,09
